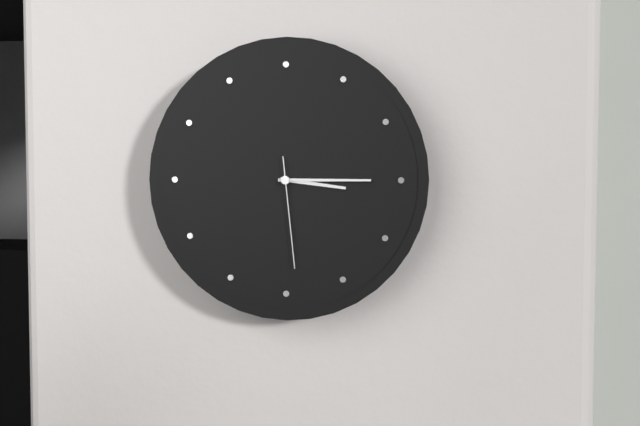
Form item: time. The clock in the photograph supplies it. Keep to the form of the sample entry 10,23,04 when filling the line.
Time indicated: 3,15,29
